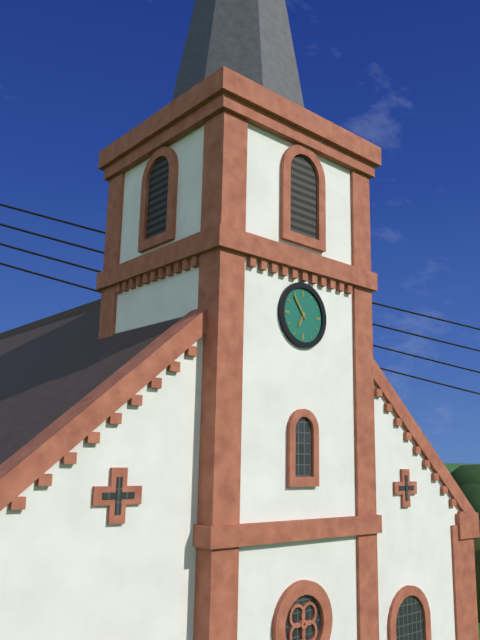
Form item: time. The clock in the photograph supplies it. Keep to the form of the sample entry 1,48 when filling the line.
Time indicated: 6,54
